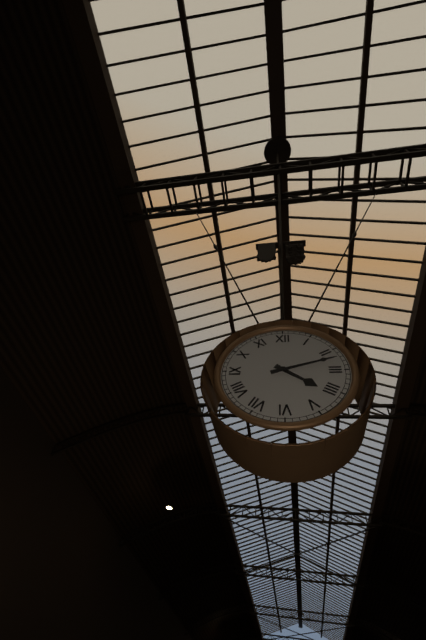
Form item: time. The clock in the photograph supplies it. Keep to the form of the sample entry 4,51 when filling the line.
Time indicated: 4,12
